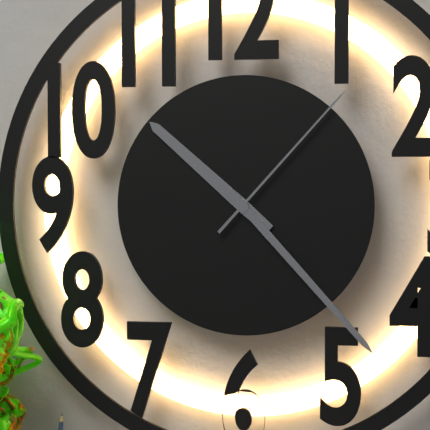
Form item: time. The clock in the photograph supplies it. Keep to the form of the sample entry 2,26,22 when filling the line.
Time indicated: 10,23,07
